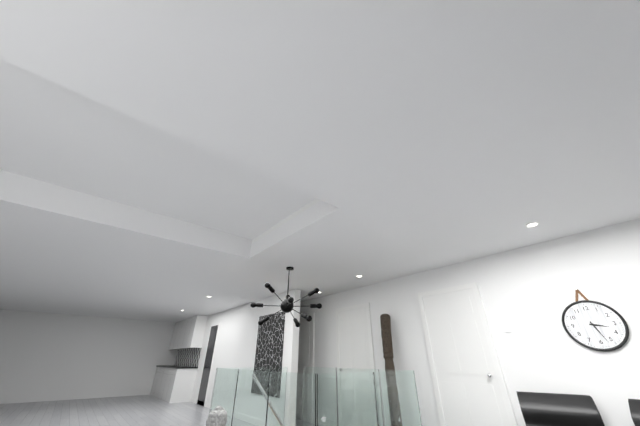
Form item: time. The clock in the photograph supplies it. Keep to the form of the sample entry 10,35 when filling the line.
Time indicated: 3,27
